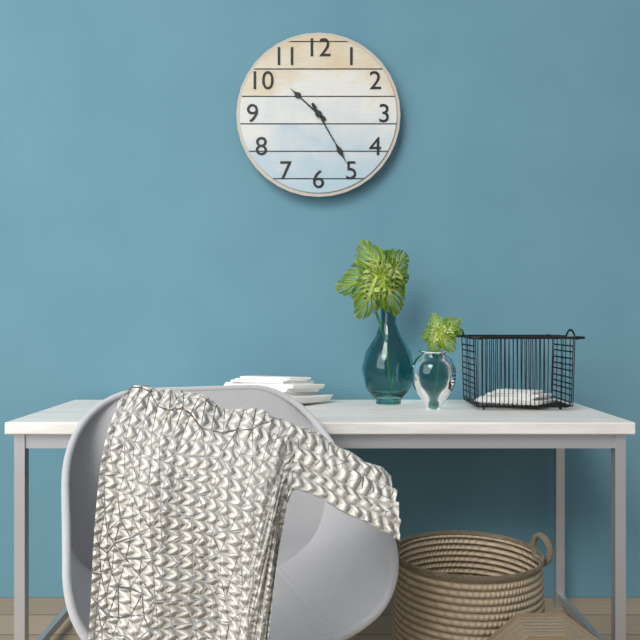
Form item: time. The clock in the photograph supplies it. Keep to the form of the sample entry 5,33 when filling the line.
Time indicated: 10,25
